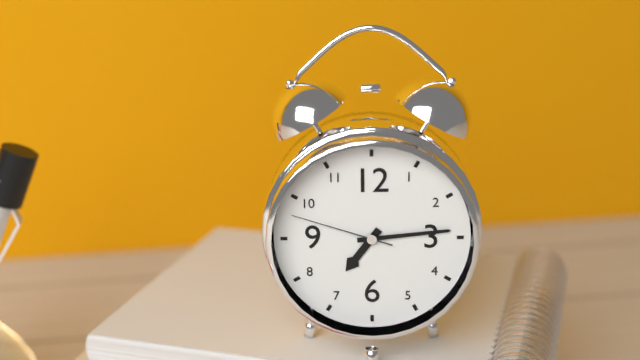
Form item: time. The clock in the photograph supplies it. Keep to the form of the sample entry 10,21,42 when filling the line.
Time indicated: 7,14,48
